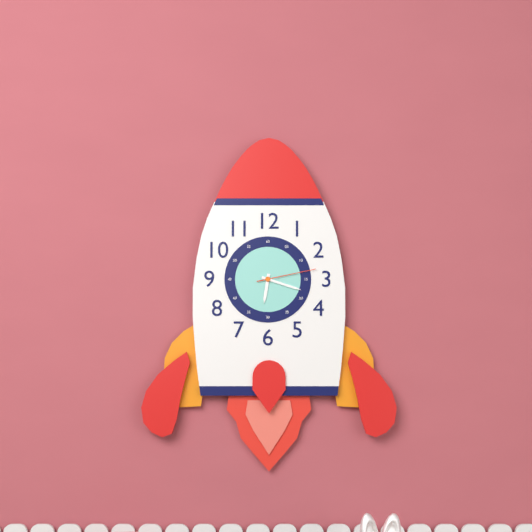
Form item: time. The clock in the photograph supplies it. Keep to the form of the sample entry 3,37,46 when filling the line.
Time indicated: 6,18,13
